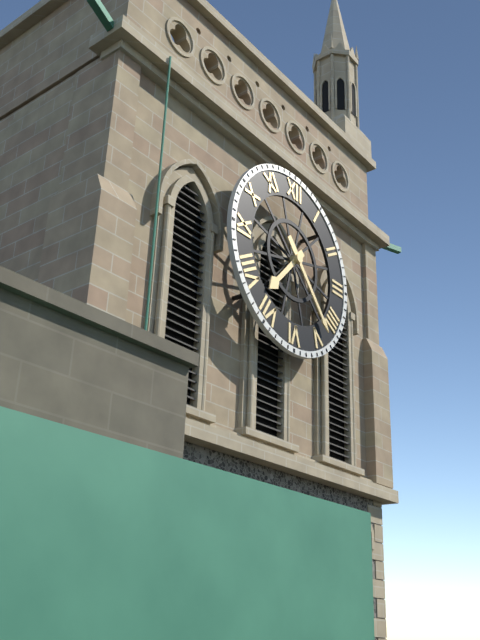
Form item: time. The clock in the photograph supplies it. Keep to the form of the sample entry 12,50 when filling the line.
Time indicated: 7,23
